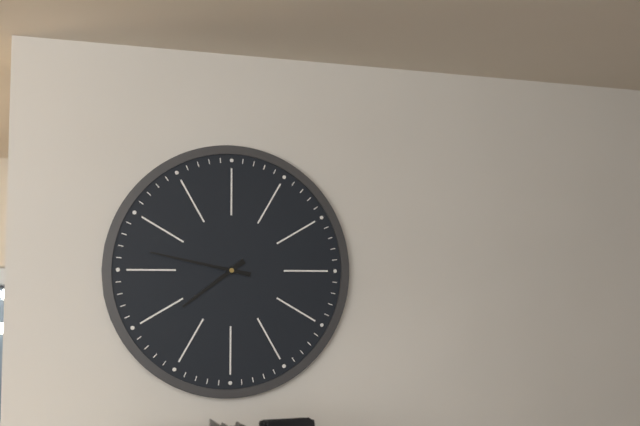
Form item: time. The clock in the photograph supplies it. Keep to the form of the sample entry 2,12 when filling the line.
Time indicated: 7,47
